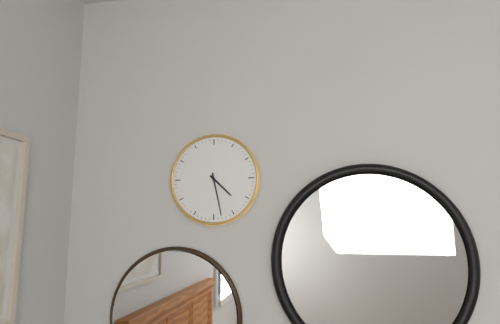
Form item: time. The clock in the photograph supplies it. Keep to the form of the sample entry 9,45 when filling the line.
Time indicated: 4,28
